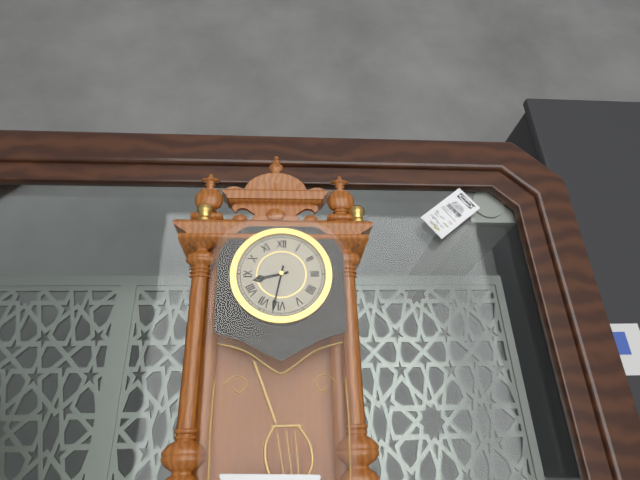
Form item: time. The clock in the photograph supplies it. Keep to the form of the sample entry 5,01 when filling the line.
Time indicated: 8,32
